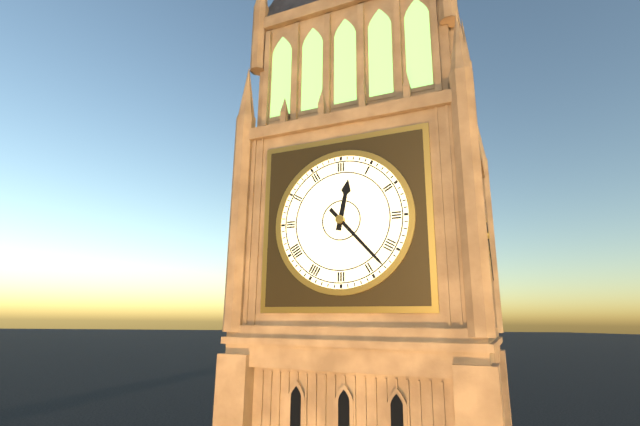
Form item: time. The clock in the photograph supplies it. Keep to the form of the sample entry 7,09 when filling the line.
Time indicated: 12,23
